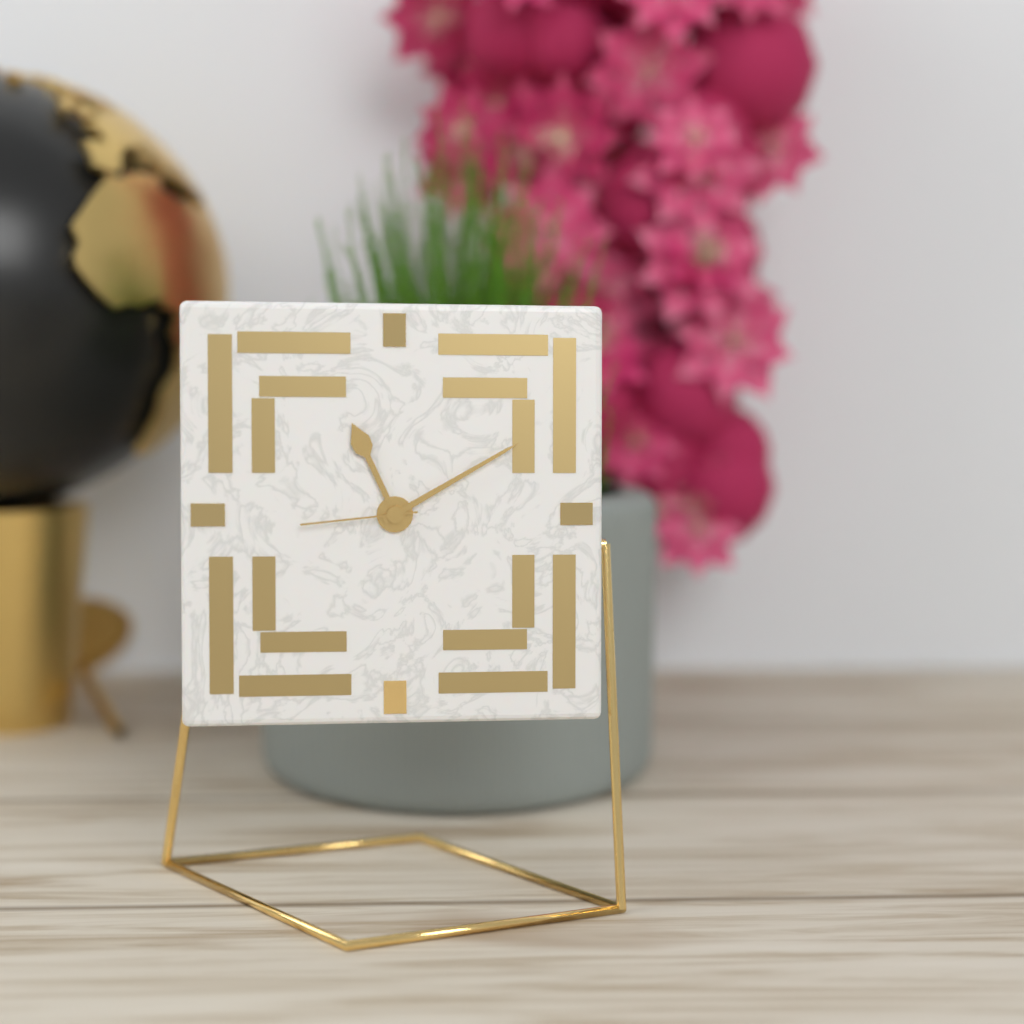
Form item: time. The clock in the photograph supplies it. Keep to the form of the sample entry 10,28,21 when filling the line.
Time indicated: 11,10,44
